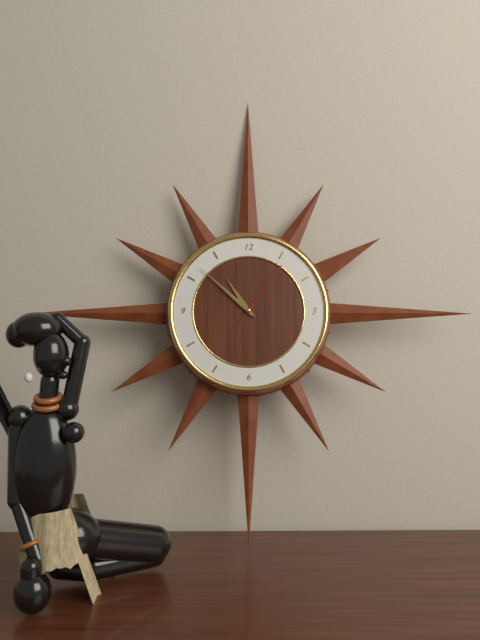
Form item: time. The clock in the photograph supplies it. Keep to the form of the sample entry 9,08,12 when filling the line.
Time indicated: 10,52,06
